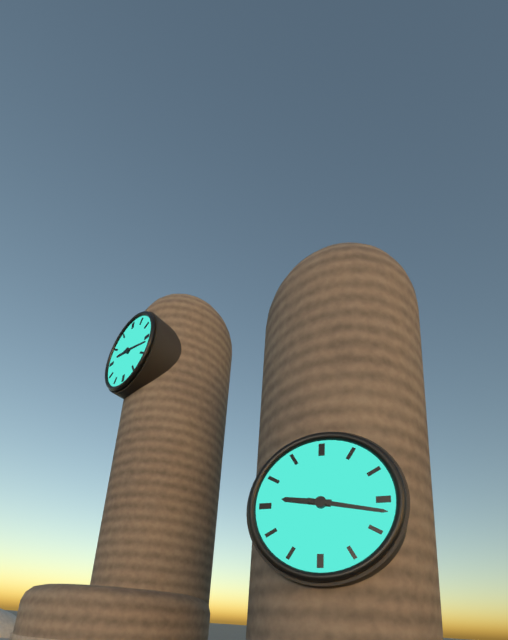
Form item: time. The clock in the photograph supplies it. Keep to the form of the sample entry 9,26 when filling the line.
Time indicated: 9,17
